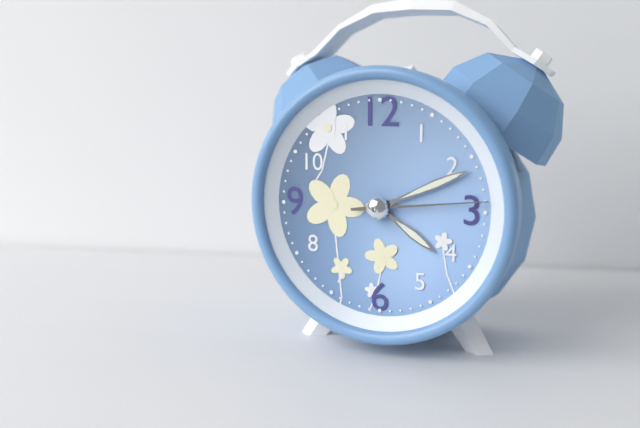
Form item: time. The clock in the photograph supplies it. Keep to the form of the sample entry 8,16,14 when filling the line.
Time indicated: 4,11,14
